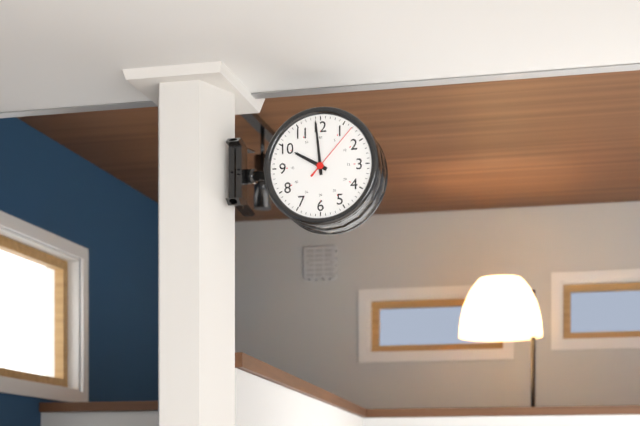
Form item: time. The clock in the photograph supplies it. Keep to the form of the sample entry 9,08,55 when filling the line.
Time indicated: 9,59,07
